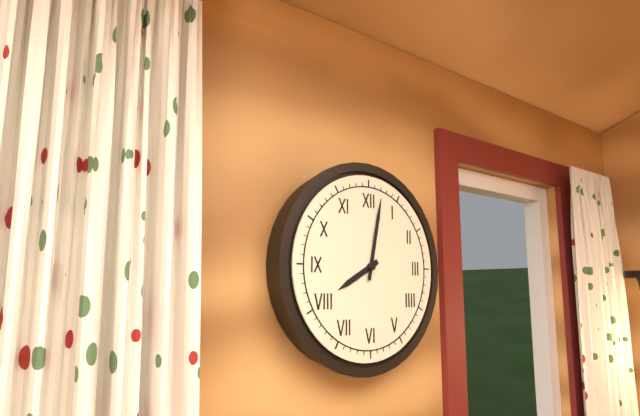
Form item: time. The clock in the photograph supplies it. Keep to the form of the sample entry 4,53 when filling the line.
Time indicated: 8,02
